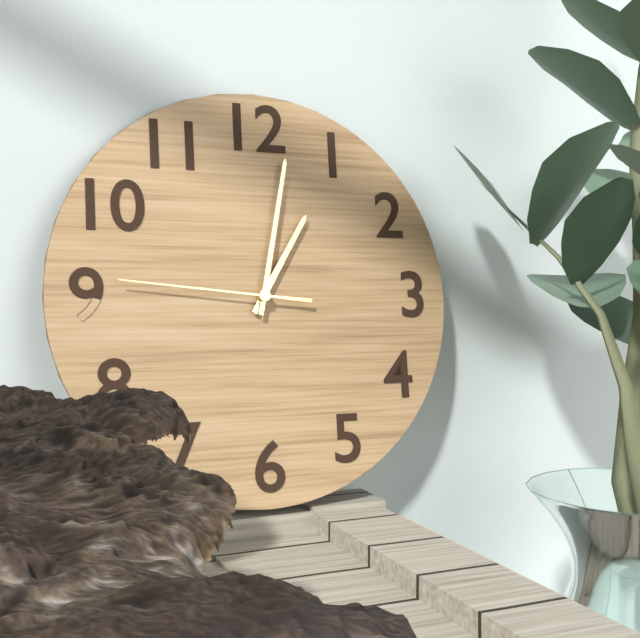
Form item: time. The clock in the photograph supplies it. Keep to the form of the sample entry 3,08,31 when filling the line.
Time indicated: 1,02,46
